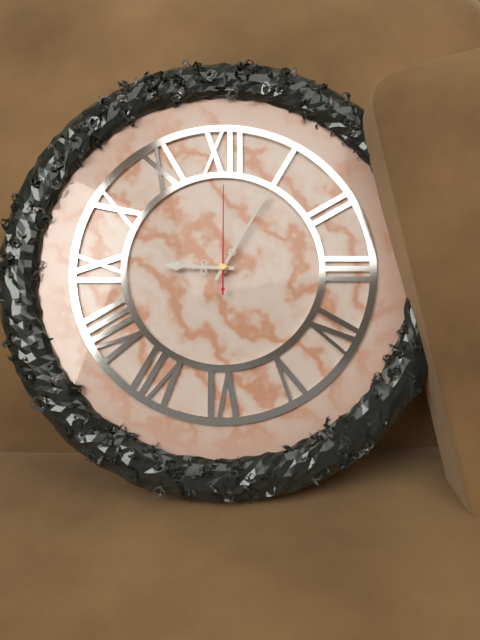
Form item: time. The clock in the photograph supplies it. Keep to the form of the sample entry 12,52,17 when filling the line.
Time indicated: 9,05,00
